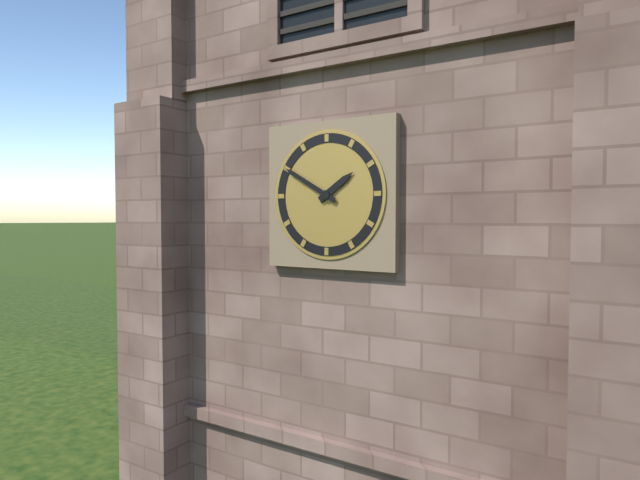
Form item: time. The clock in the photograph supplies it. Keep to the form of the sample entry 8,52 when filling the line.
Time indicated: 1,50
